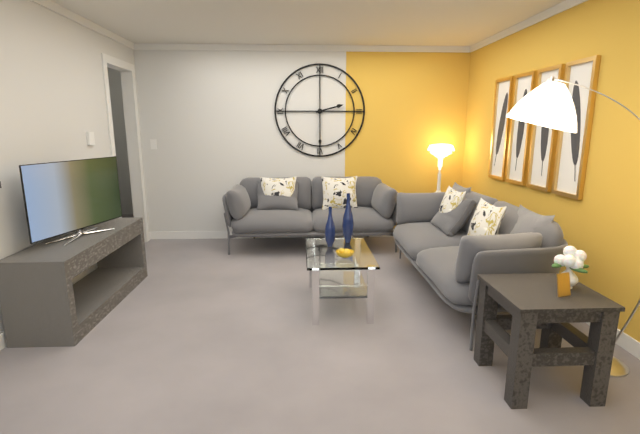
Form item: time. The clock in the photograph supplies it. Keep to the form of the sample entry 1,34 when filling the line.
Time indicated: 2,30
